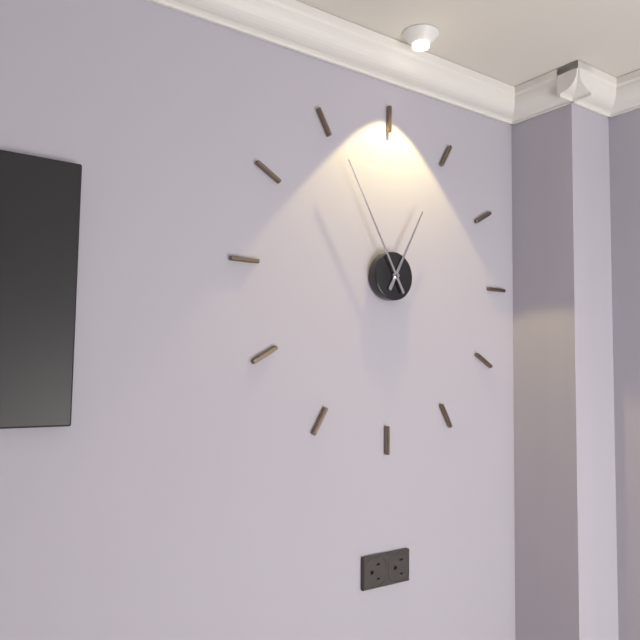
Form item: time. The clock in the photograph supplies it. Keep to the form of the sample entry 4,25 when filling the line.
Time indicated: 12,55
